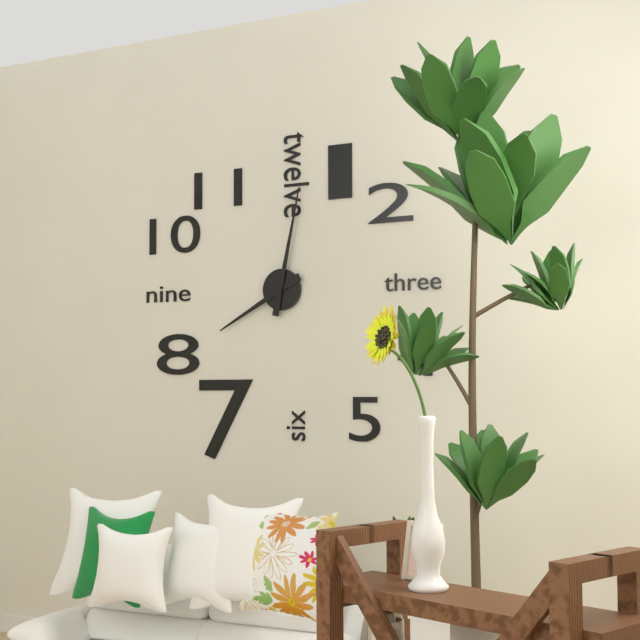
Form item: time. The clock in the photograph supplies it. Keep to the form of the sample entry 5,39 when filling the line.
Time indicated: 8,02
